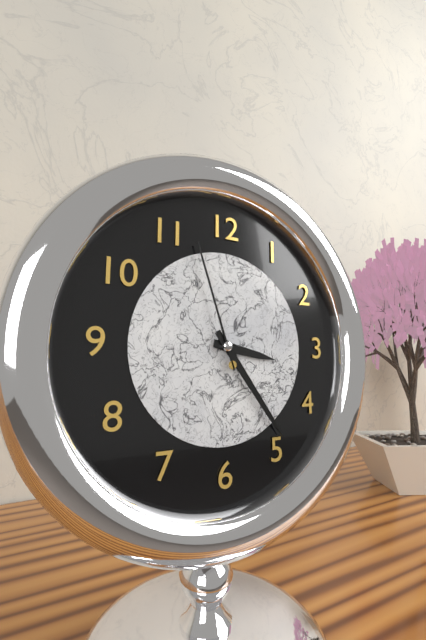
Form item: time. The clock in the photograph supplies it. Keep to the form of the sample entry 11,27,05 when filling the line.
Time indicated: 3,24,57
